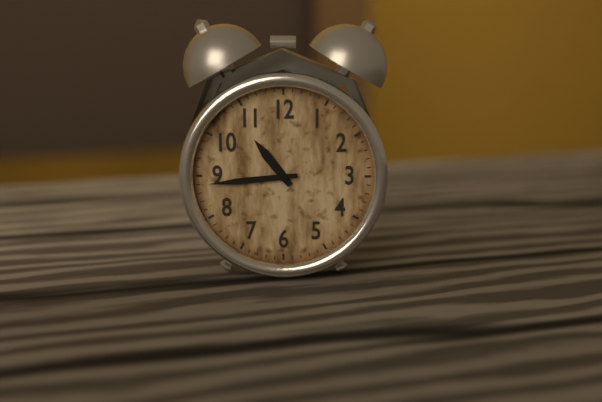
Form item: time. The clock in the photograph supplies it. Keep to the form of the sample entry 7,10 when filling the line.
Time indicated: 10,44
